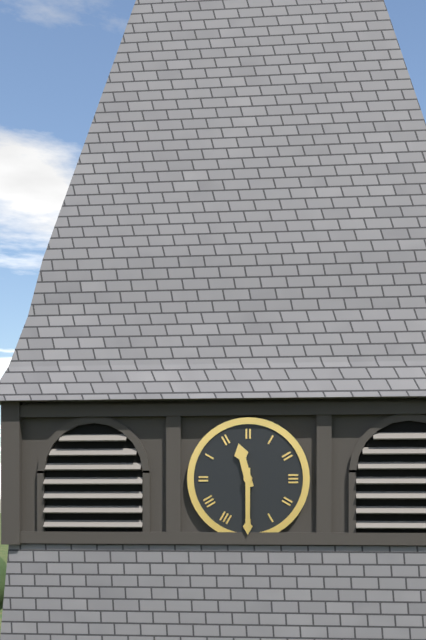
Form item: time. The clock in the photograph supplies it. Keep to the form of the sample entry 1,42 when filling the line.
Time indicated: 11,30
